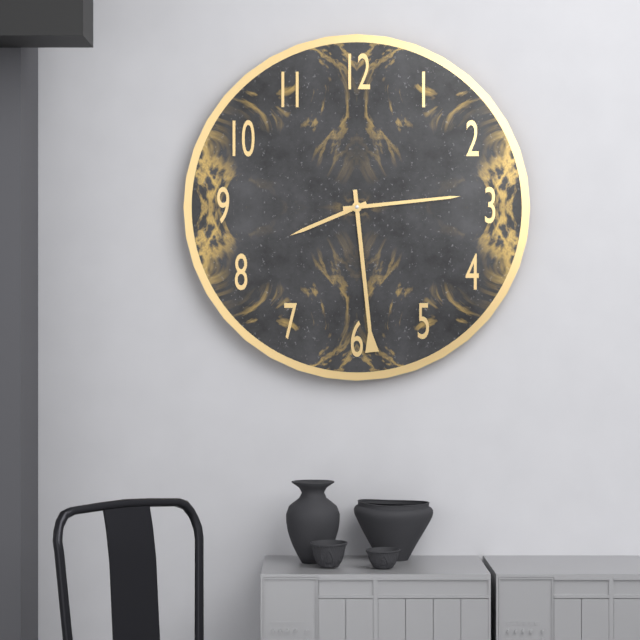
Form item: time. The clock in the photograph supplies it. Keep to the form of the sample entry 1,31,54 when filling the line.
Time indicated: 8,14,29
